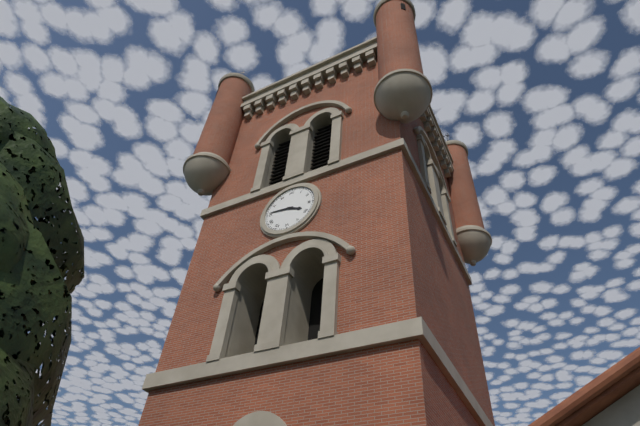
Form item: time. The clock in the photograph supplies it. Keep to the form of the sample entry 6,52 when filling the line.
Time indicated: 3,46
